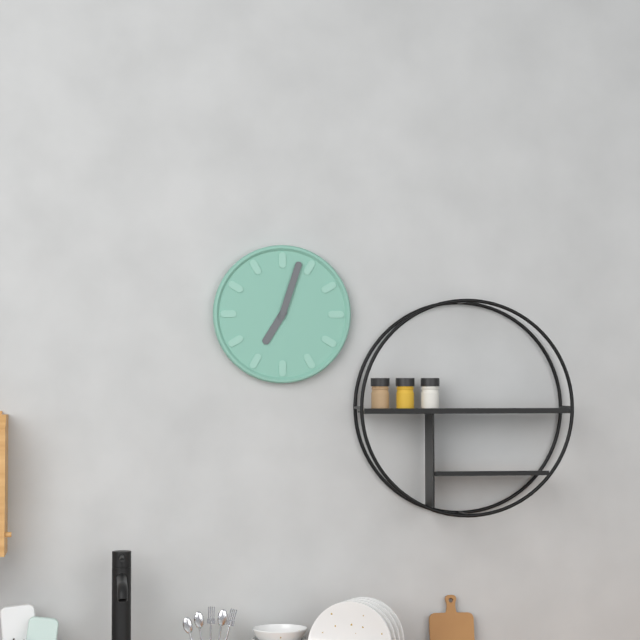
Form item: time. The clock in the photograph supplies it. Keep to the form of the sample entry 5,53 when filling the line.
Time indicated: 7,03
